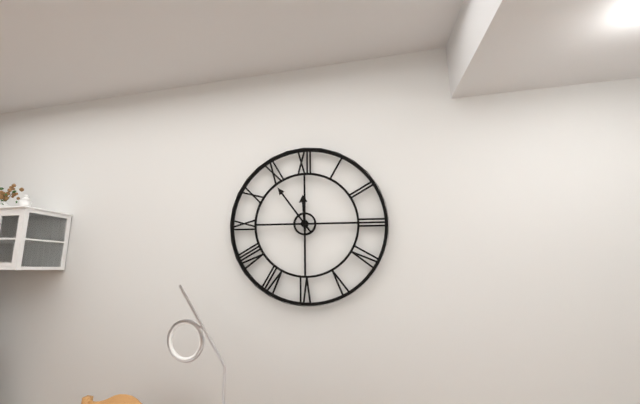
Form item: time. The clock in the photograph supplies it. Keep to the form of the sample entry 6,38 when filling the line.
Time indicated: 11,54
